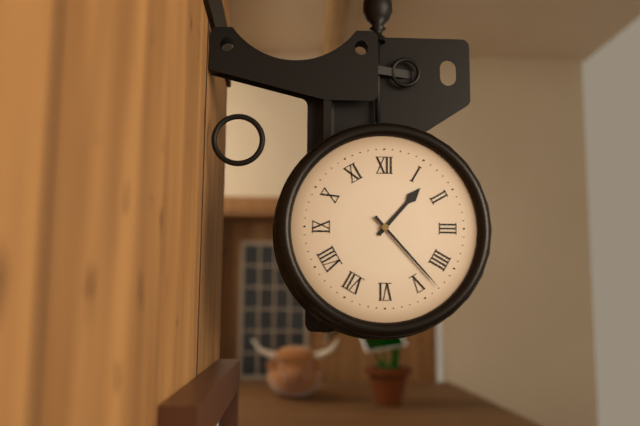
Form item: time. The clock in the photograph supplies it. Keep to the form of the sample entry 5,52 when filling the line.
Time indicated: 1,23
